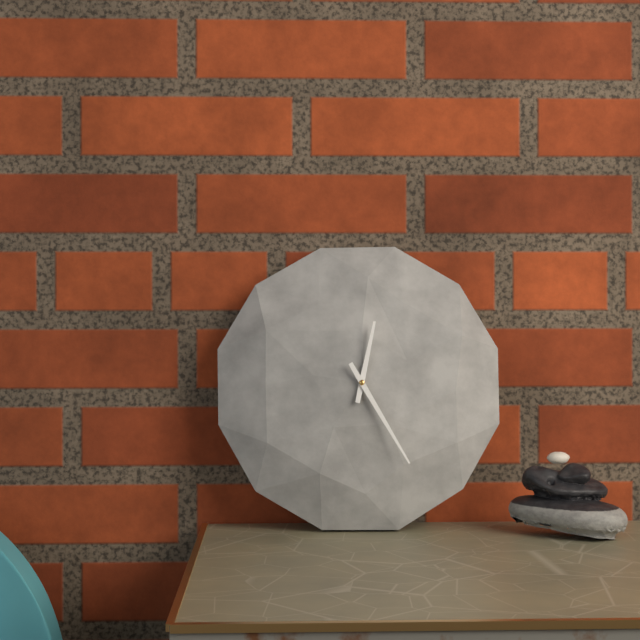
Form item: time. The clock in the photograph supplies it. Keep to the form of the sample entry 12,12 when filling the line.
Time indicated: 12,25
